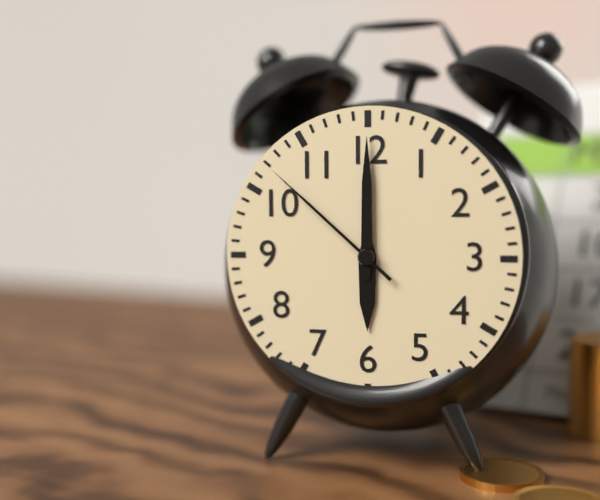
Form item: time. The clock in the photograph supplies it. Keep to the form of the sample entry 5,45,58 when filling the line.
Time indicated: 6,00,52
